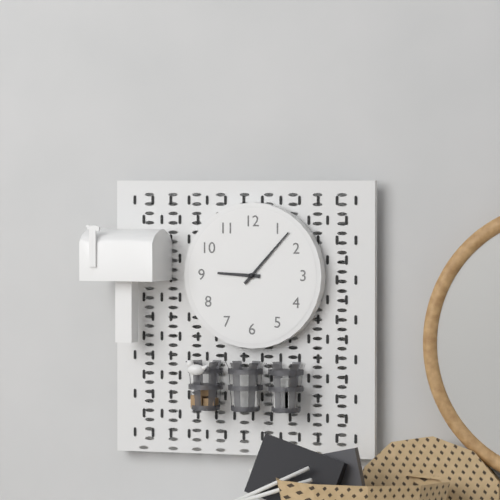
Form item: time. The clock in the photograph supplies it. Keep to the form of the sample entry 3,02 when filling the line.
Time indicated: 9,07
